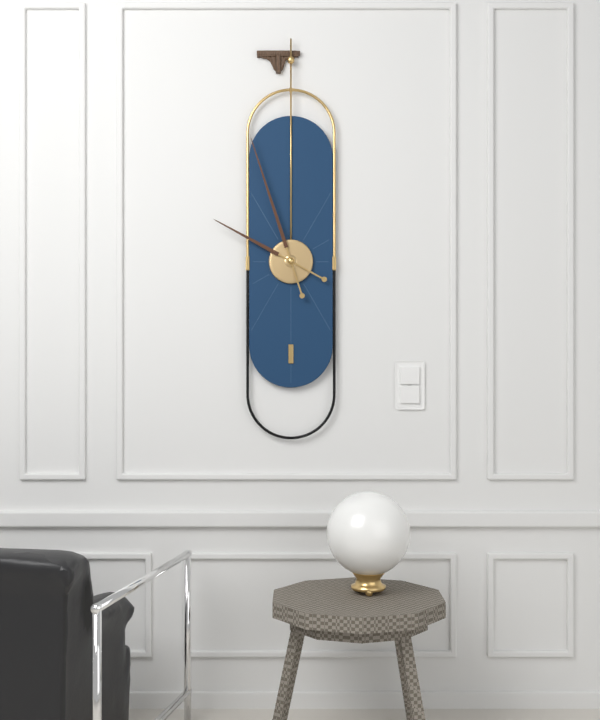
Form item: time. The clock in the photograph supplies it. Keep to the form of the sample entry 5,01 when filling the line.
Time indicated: 9,57
